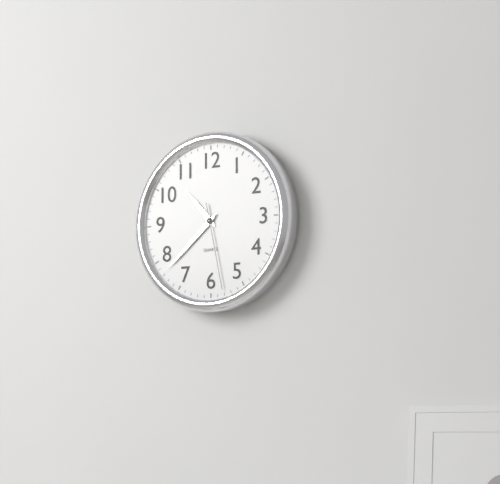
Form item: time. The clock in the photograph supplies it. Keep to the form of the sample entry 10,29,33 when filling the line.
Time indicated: 10,38,28
